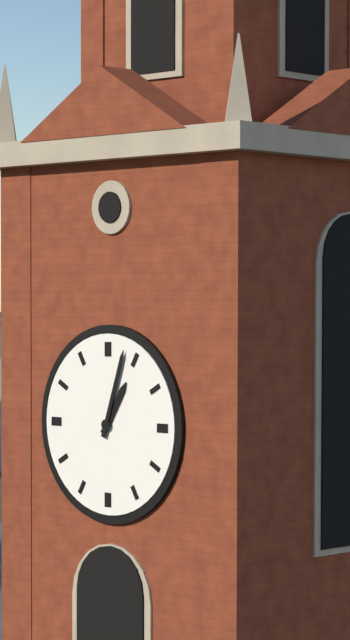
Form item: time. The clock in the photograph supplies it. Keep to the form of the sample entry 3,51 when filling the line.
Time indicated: 1,03
